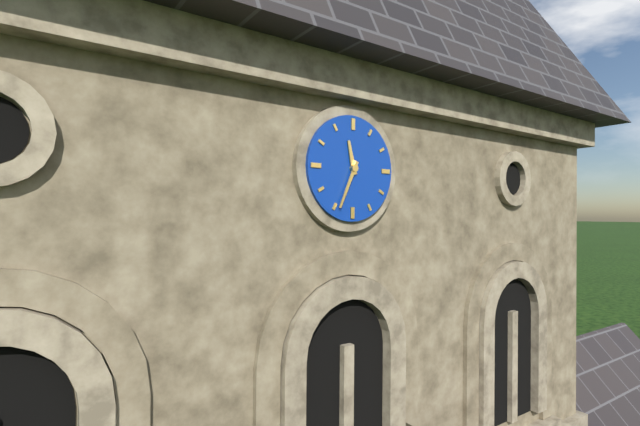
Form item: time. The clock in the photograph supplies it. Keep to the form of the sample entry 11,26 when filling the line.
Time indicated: 11,34
